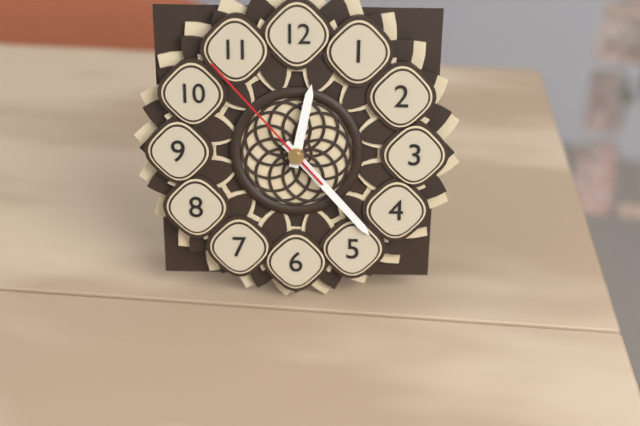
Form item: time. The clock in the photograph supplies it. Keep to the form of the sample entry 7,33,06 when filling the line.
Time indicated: 12,23,53
